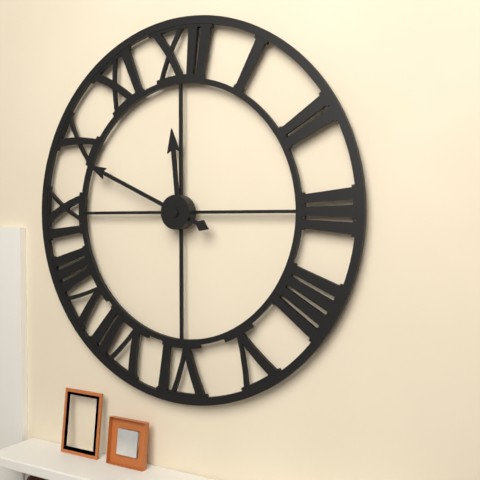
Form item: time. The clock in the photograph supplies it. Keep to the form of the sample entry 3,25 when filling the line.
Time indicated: 11,49
